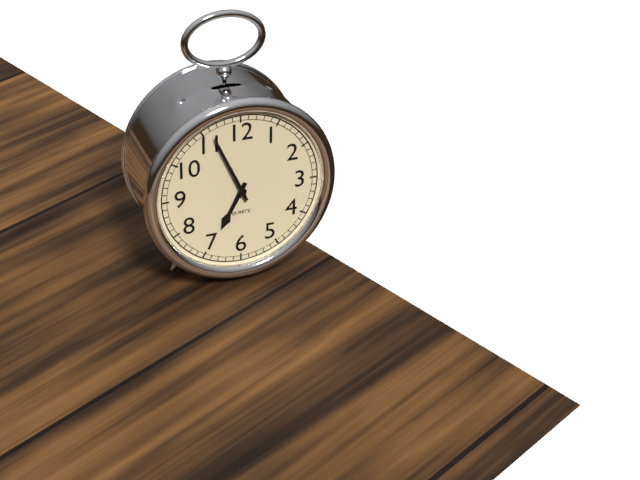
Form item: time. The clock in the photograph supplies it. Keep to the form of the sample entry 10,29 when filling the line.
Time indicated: 6,56
